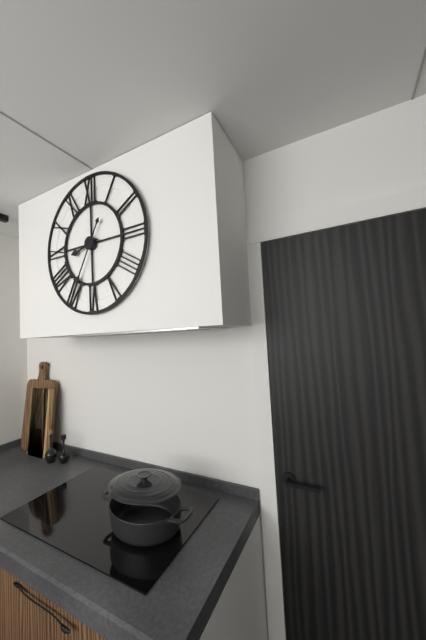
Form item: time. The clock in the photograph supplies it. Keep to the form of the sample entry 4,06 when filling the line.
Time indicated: 8,35
